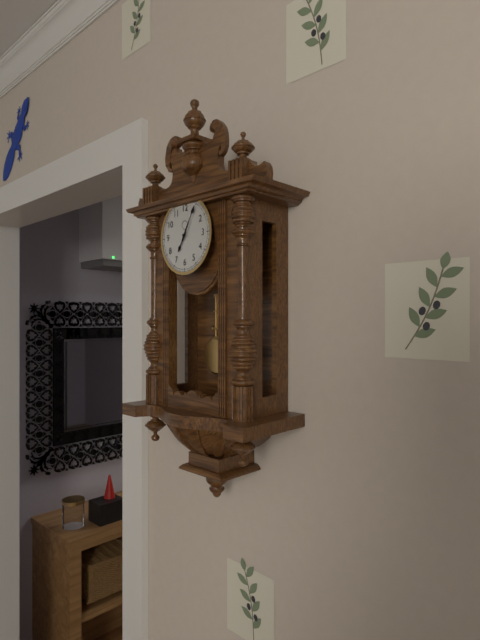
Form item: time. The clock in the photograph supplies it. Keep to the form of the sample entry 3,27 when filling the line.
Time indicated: 7,05
